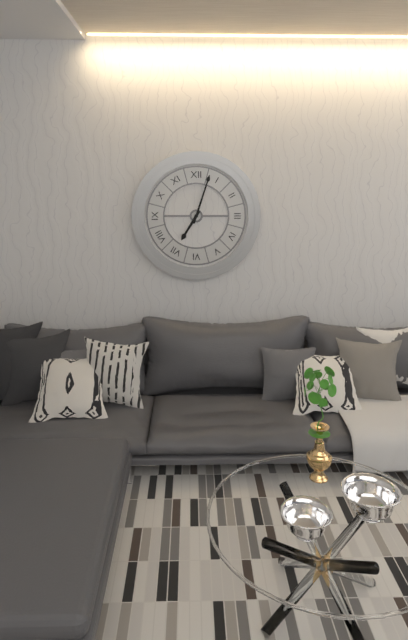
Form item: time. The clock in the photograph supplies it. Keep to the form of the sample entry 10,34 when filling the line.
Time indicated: 7,03
